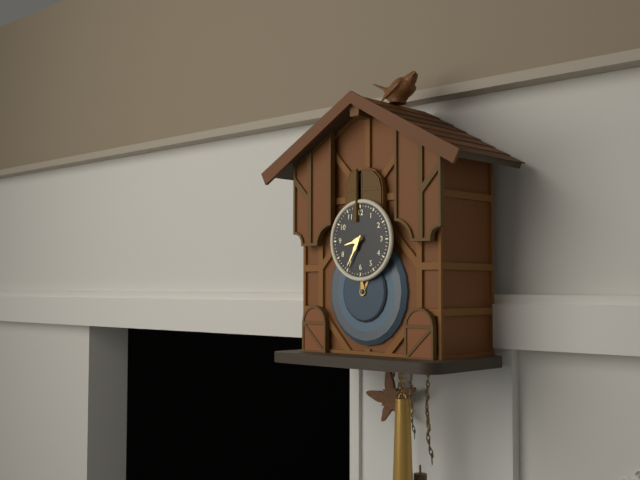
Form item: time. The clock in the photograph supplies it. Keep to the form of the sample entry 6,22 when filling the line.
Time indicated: 8,35
